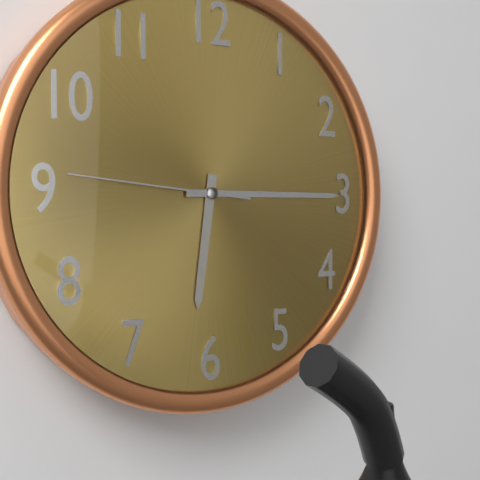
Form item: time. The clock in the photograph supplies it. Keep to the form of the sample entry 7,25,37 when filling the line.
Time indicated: 6,15,46
